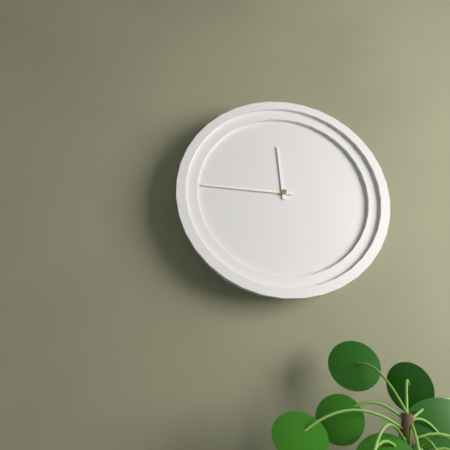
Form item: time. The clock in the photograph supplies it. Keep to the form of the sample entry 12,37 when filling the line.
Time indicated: 11,45
